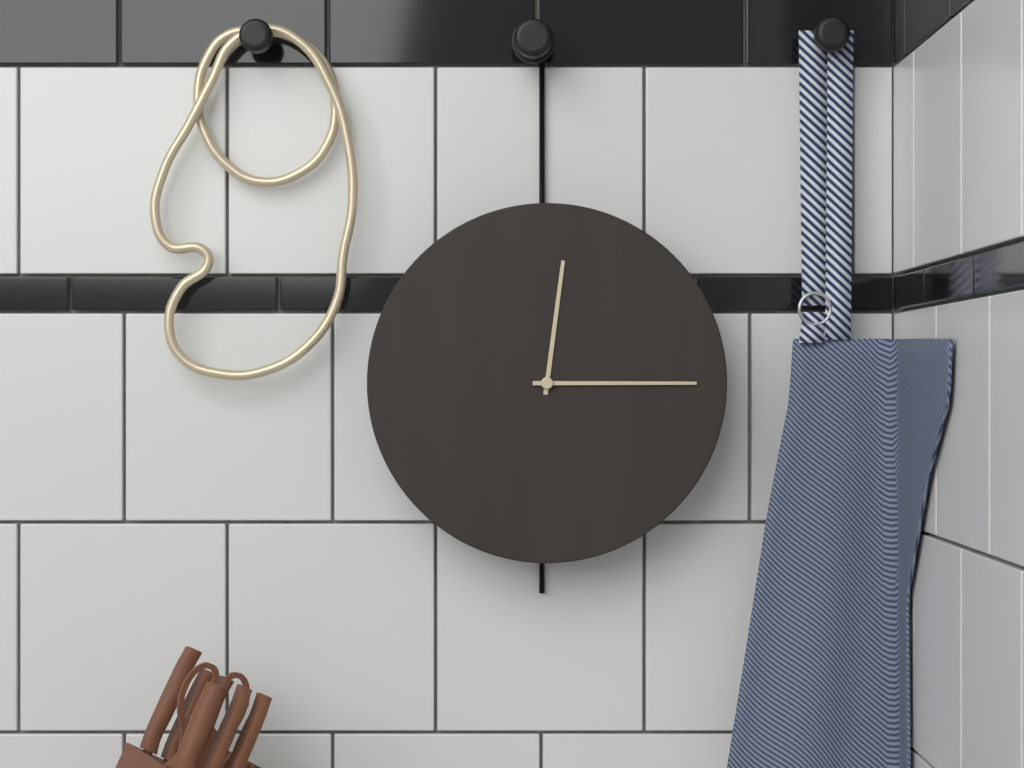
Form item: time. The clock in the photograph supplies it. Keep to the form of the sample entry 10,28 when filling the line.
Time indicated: 12,15
